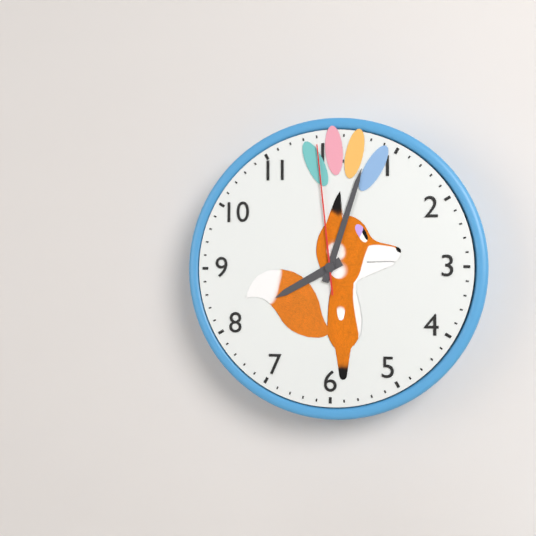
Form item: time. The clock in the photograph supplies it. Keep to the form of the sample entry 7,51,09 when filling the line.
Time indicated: 8,03,59
